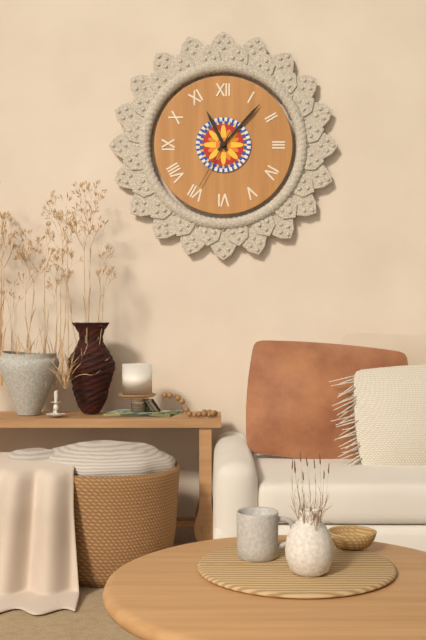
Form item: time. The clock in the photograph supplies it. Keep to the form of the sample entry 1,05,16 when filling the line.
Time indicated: 11,07,35
